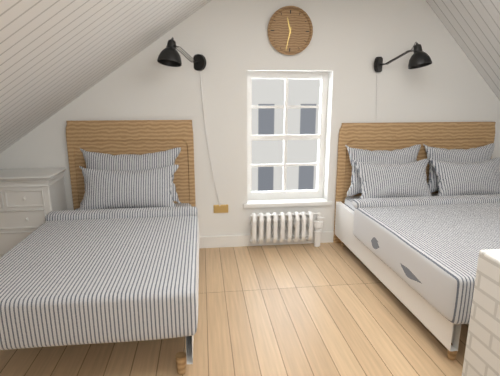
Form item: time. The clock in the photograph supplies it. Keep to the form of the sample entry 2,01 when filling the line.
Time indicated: 11,32
